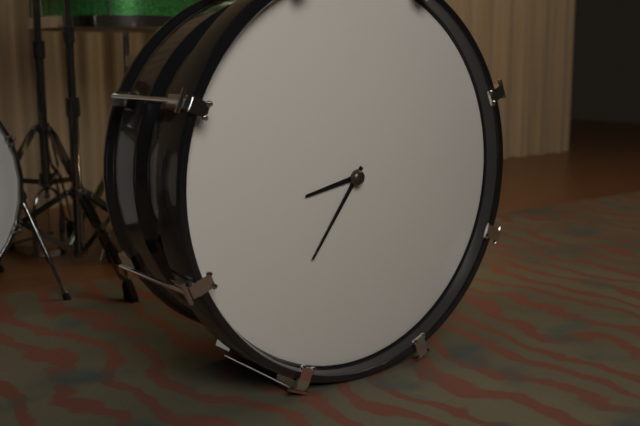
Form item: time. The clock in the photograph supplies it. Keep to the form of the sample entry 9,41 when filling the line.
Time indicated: 8,36
